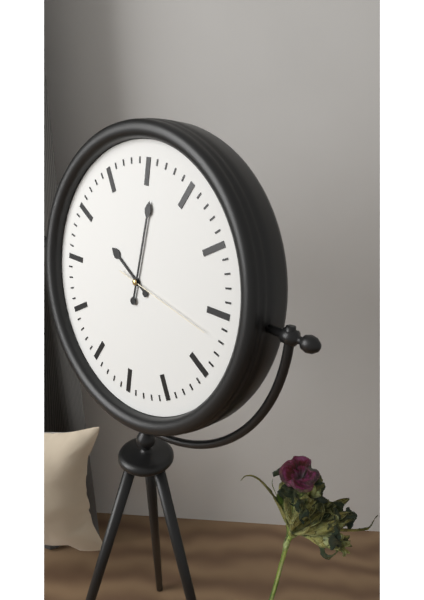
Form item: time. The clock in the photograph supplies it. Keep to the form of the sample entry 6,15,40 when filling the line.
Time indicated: 10,01,17
